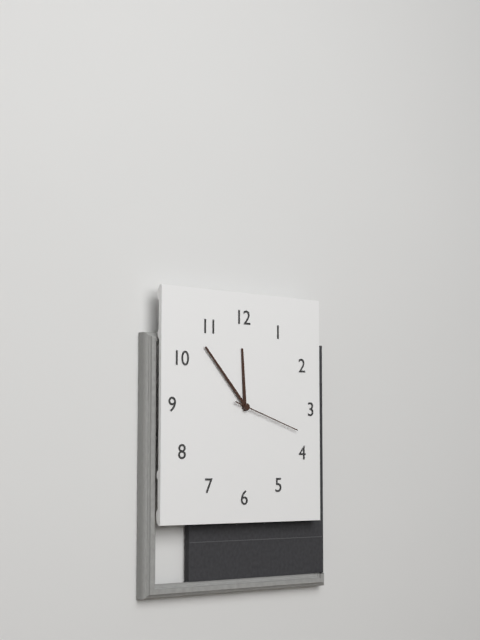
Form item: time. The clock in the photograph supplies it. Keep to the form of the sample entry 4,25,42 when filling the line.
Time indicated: 11,53,18
